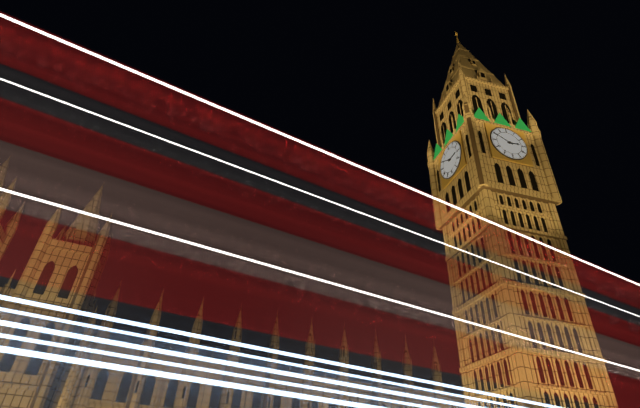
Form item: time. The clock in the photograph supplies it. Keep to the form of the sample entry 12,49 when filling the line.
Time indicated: 2,50
